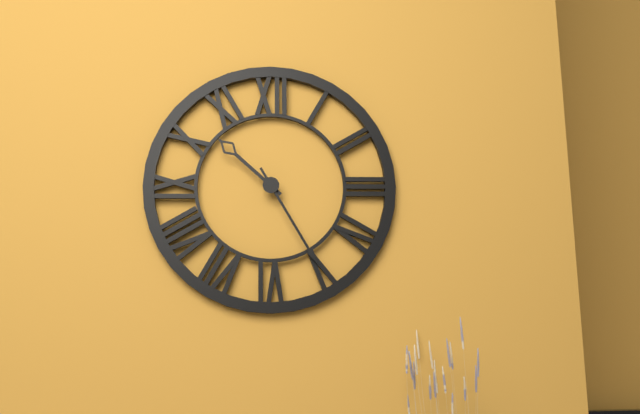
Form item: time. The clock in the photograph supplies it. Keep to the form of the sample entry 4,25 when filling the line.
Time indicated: 10,25
